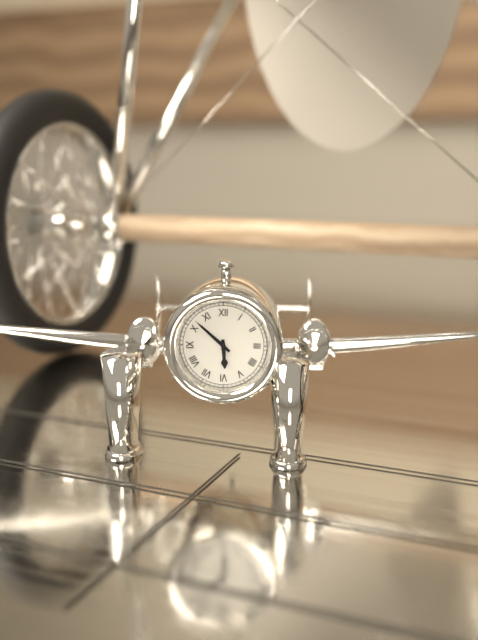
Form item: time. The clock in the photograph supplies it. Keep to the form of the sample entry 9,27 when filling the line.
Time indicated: 5,52
